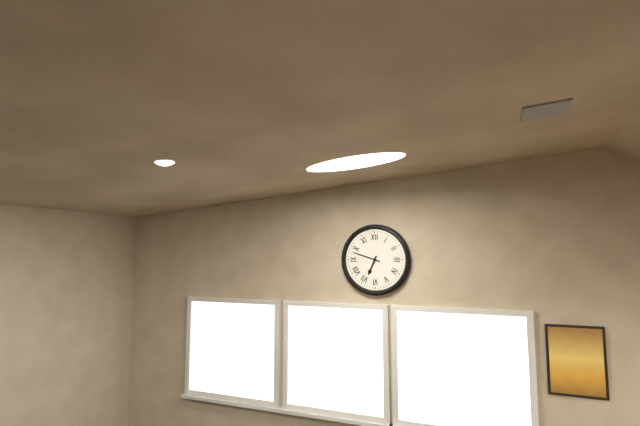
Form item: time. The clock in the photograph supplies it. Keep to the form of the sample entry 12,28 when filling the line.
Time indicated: 6,48
